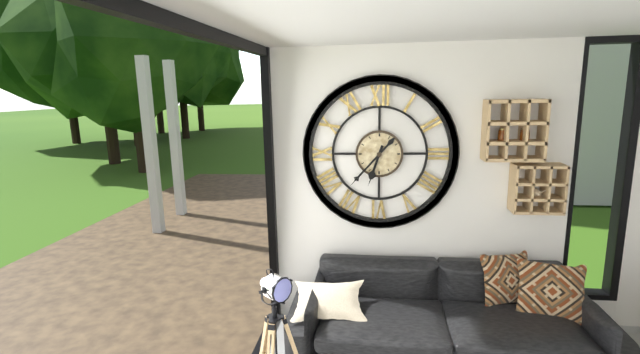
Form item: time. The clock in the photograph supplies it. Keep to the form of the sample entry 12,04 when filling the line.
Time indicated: 6,37
